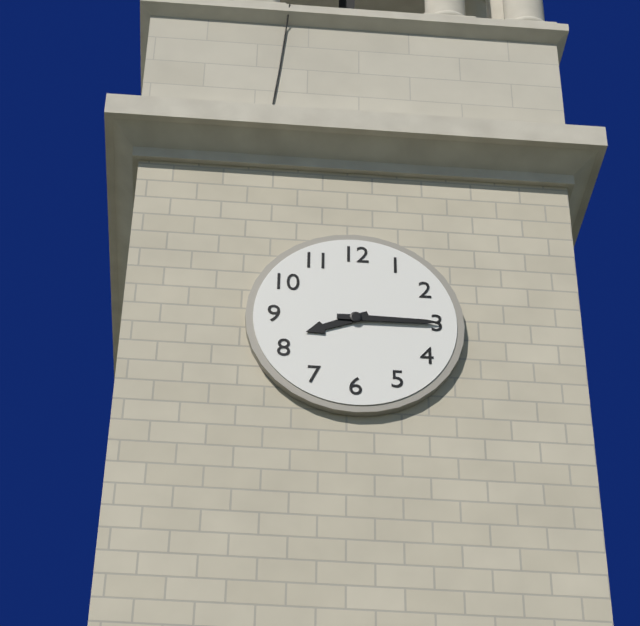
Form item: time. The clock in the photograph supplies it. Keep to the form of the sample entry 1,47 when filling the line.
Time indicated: 8,15
